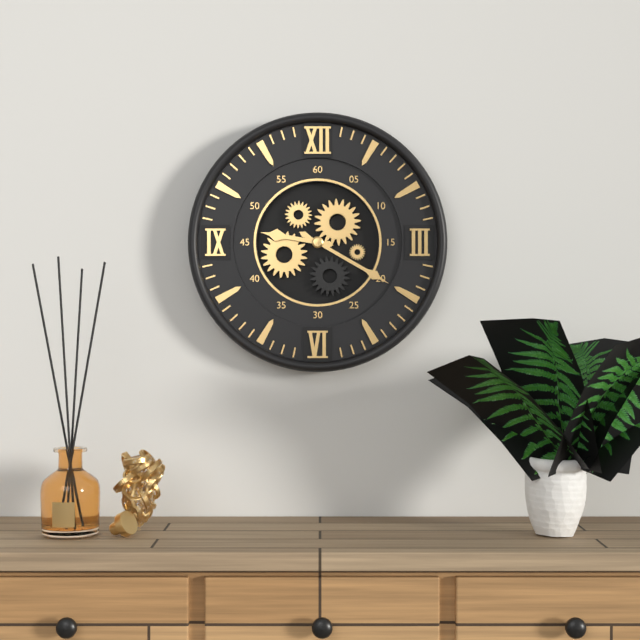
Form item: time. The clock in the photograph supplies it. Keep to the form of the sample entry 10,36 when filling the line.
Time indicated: 9,20
